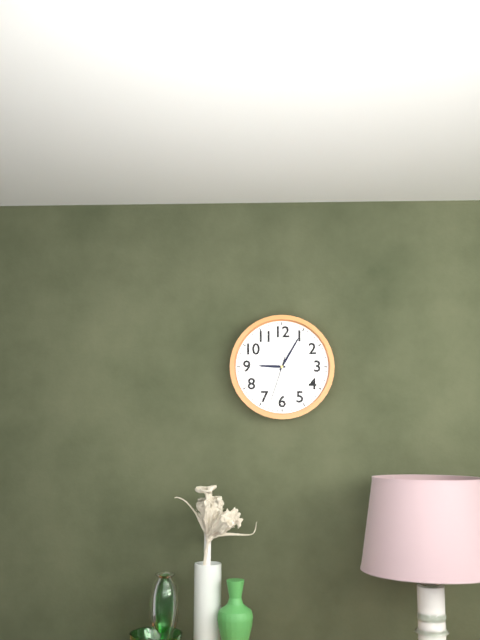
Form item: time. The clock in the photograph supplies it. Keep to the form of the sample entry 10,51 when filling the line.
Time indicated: 9,05
